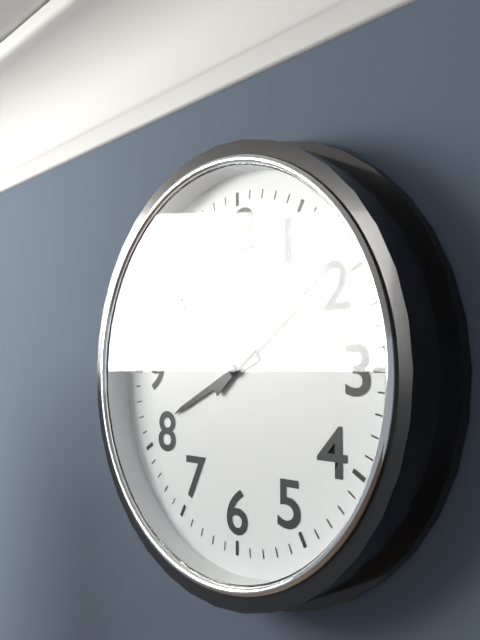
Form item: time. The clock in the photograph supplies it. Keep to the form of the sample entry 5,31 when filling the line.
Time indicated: 8,09
